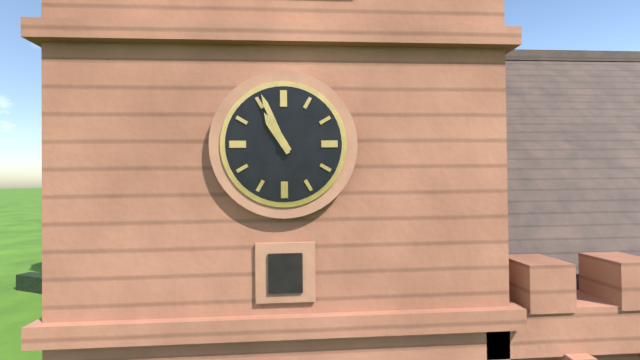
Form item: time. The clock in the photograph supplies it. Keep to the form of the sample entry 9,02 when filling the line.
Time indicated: 10,56
